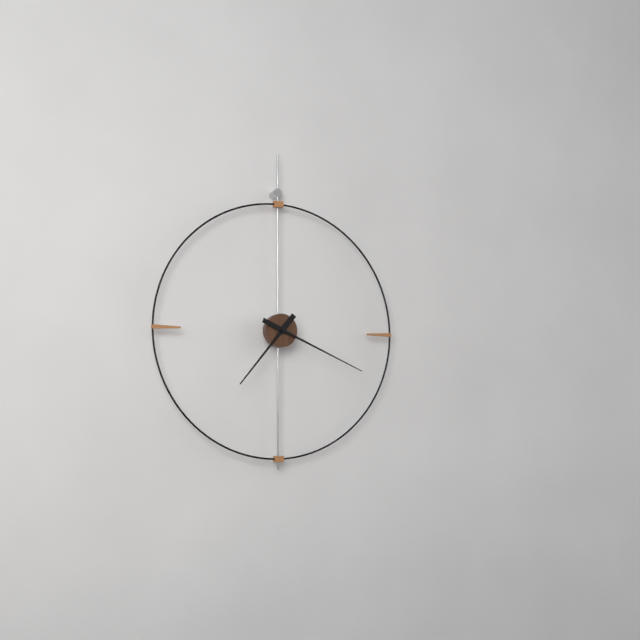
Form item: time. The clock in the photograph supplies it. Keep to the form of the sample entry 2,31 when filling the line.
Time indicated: 7,19
